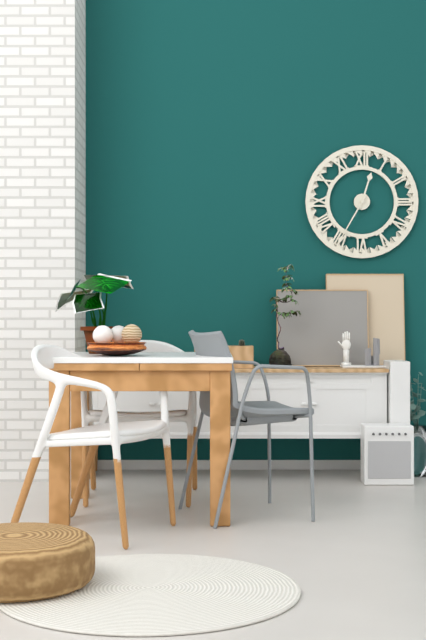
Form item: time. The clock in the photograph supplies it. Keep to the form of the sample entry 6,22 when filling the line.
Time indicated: 12,35
